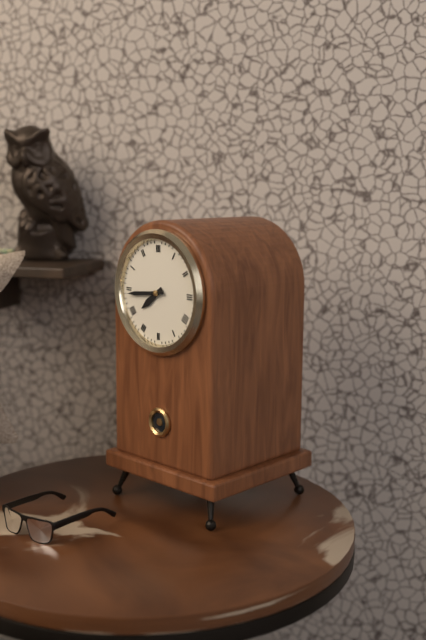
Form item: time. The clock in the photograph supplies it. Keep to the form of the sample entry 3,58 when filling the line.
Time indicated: 7,44
